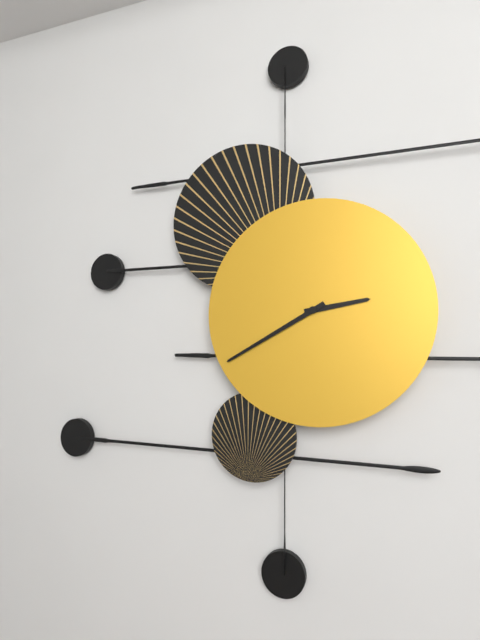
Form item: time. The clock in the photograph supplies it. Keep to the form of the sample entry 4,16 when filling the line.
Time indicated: 2,40
